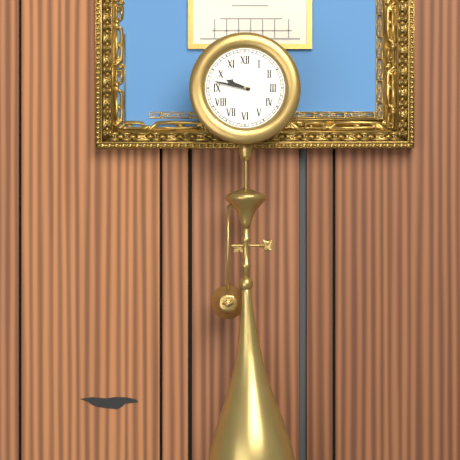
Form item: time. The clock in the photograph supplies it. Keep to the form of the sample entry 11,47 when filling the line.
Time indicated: 9,47
